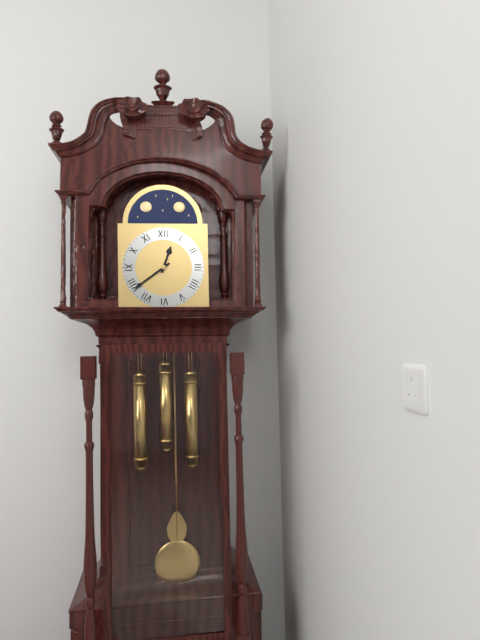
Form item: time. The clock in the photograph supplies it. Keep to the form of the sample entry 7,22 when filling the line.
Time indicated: 12,39
